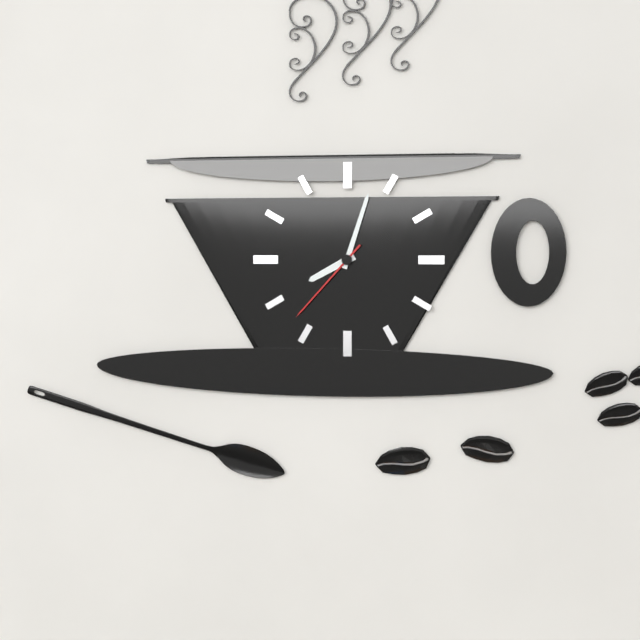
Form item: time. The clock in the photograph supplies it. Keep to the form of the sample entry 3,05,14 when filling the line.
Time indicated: 8,03,37
